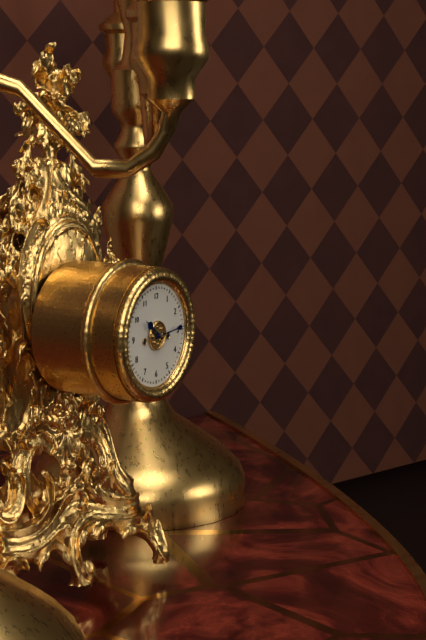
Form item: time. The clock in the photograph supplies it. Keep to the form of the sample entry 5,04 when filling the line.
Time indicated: 10,14
